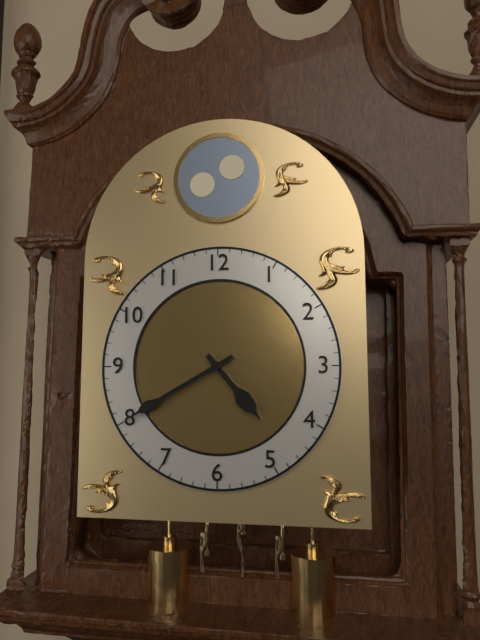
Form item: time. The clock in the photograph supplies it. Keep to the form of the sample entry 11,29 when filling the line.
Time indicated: 4,40
